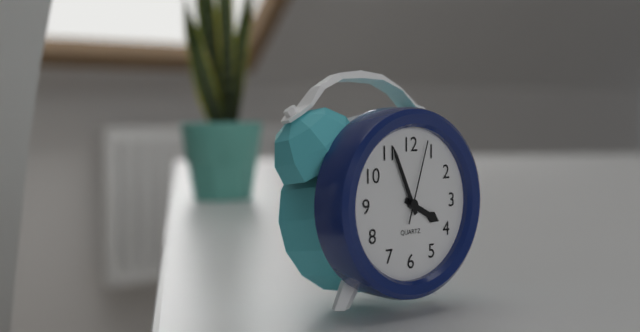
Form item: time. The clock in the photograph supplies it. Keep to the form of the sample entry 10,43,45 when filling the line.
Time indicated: 3,56,03
